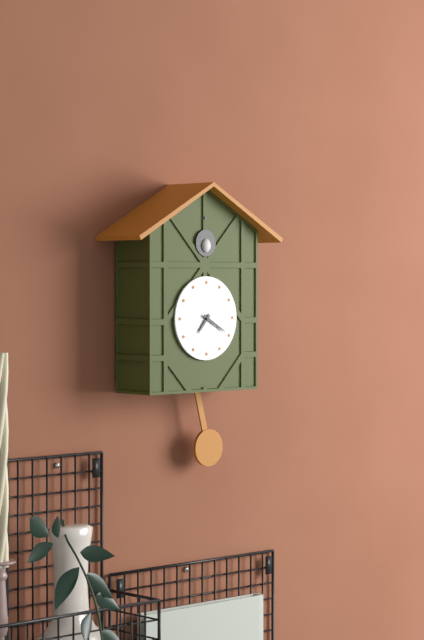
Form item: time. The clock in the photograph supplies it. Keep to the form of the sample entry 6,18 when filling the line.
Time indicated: 7,20
